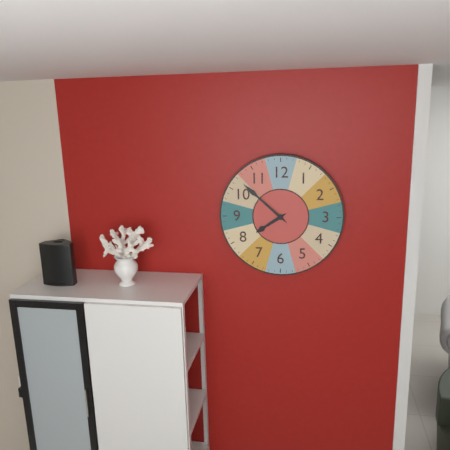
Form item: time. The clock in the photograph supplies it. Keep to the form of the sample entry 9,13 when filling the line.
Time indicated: 7,52
